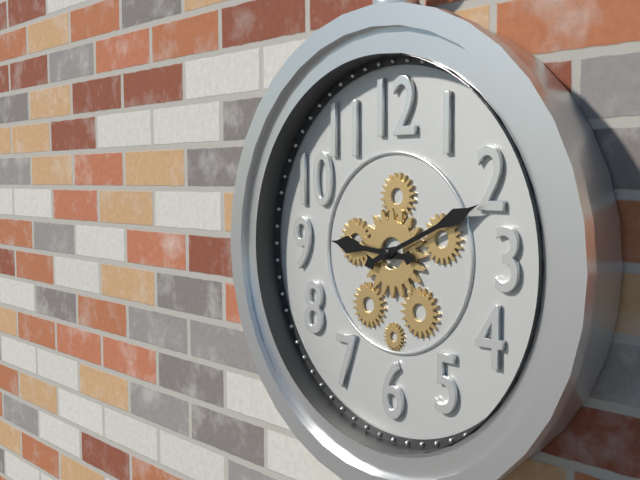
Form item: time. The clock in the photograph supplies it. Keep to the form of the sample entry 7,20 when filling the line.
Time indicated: 9,11
